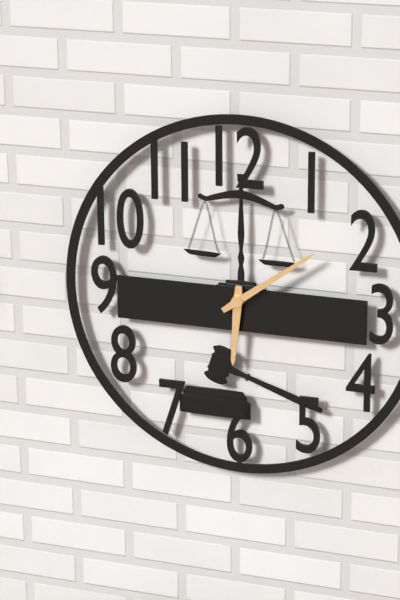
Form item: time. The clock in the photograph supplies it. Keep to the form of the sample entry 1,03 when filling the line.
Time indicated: 6,09
